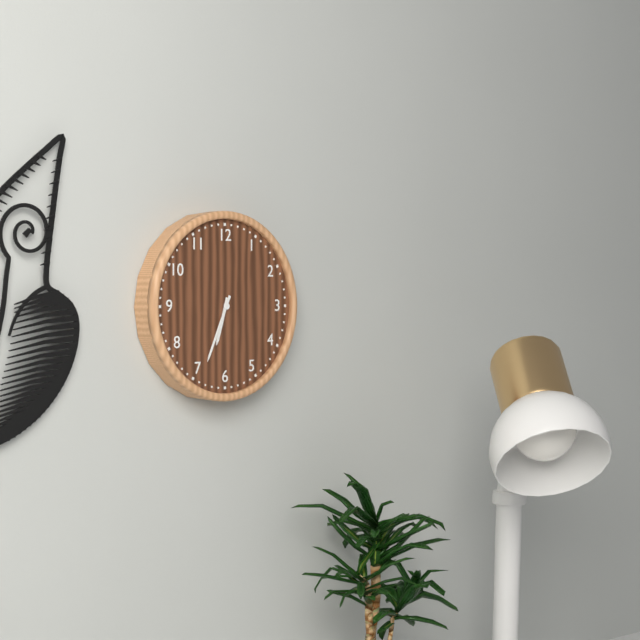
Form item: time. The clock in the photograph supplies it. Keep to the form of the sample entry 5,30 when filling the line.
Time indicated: 6,34
